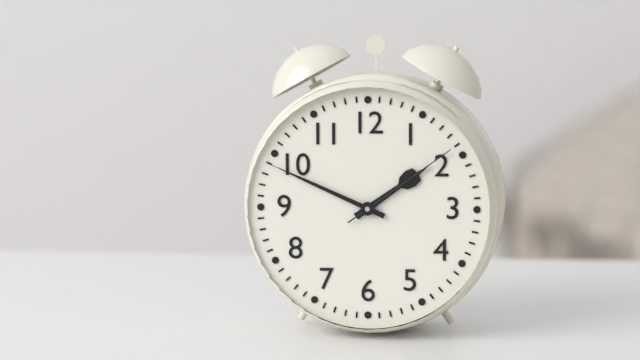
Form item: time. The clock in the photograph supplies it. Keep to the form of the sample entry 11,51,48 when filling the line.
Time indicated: 1,49,09
